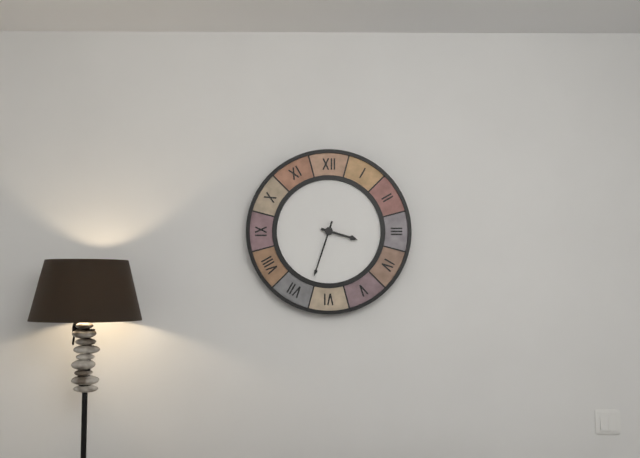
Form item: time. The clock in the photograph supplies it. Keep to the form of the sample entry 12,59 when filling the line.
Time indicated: 3,33
